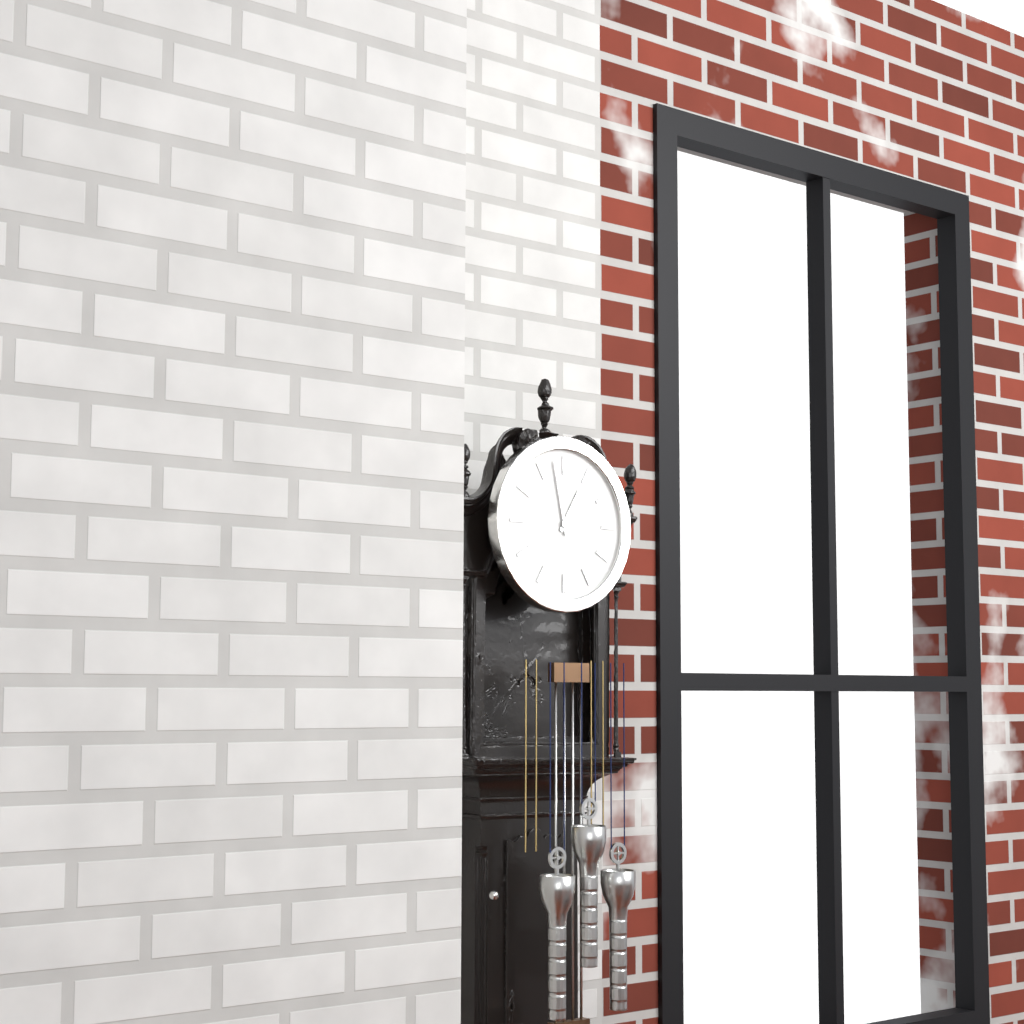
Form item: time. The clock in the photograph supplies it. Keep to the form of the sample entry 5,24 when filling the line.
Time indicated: 12,58
